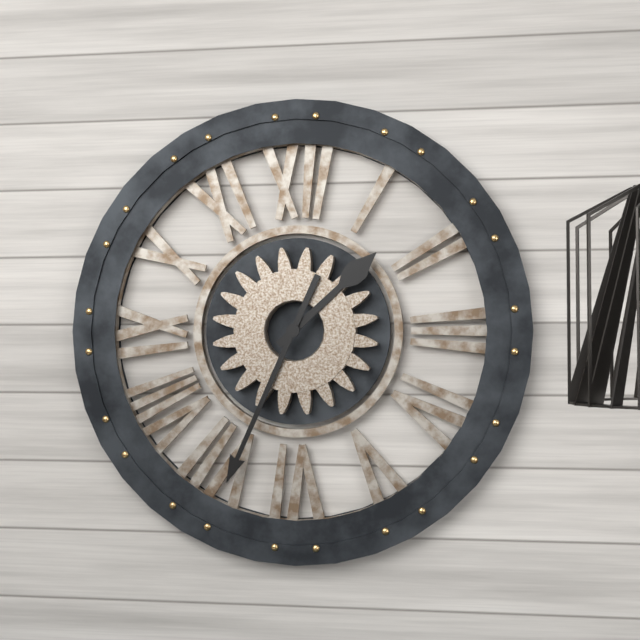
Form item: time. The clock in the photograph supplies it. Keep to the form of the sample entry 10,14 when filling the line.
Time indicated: 1,34
